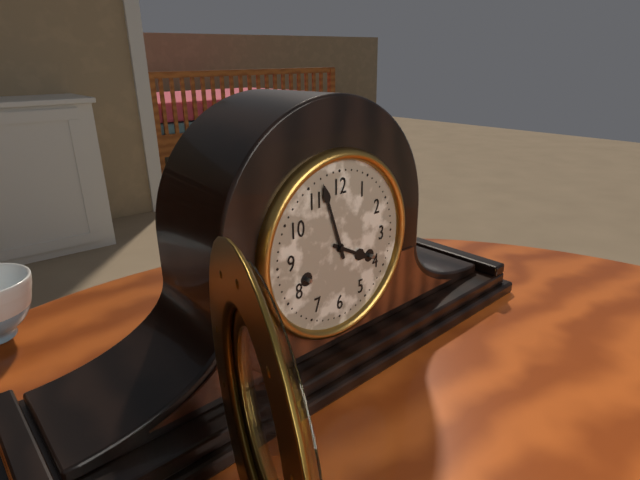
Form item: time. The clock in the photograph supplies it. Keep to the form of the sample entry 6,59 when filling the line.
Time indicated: 3,57
